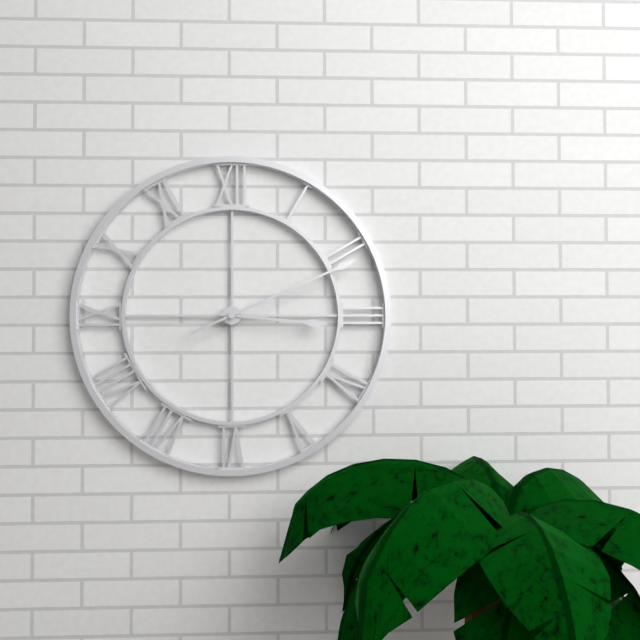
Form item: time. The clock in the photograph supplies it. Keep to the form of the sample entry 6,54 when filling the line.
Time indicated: 3,11
